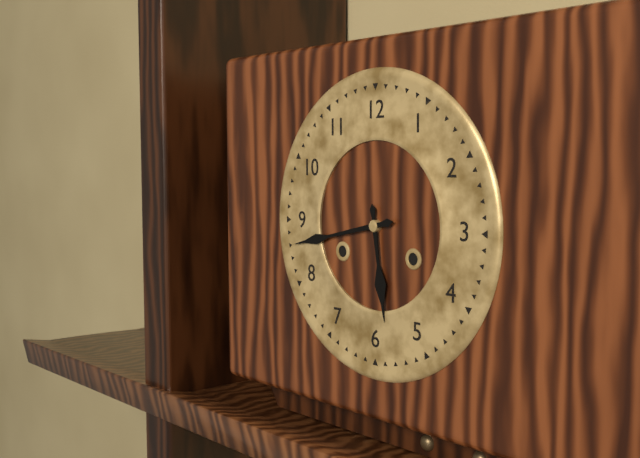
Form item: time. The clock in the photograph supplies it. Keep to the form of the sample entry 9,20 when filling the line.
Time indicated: 5,43
